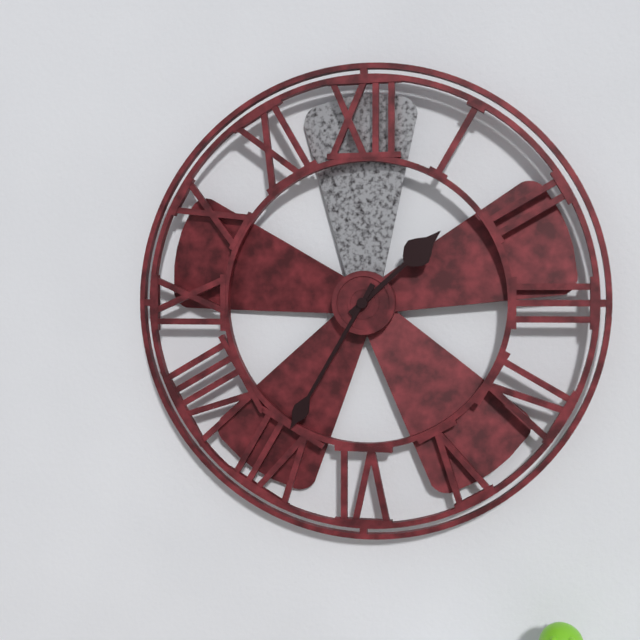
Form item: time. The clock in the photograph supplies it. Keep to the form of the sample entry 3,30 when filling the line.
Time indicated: 1,35
